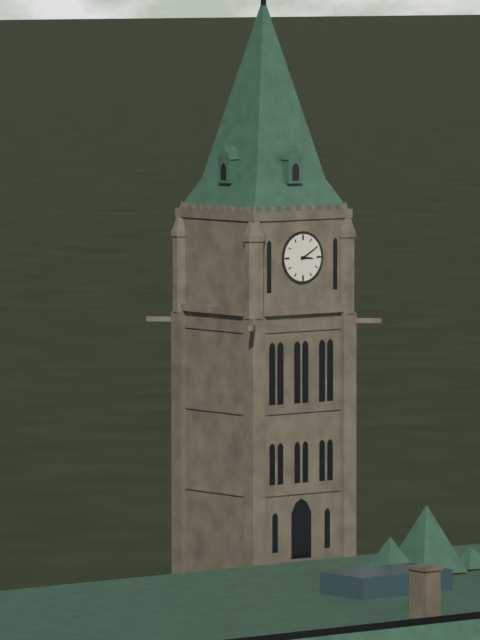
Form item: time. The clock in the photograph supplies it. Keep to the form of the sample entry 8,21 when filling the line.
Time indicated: 3,10
